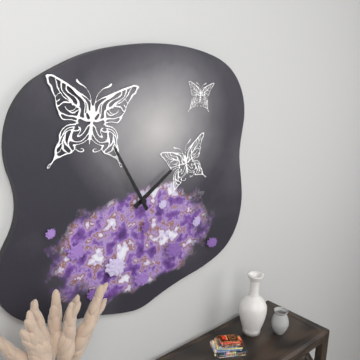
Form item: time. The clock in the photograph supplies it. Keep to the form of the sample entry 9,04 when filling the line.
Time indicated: 1,55
